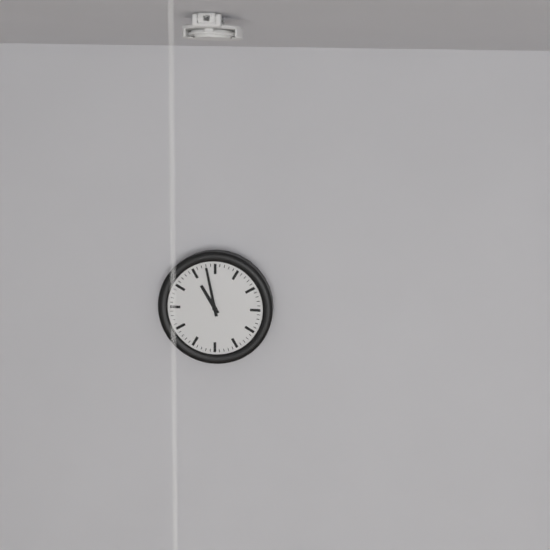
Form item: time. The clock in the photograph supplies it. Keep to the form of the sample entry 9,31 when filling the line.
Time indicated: 10,58
